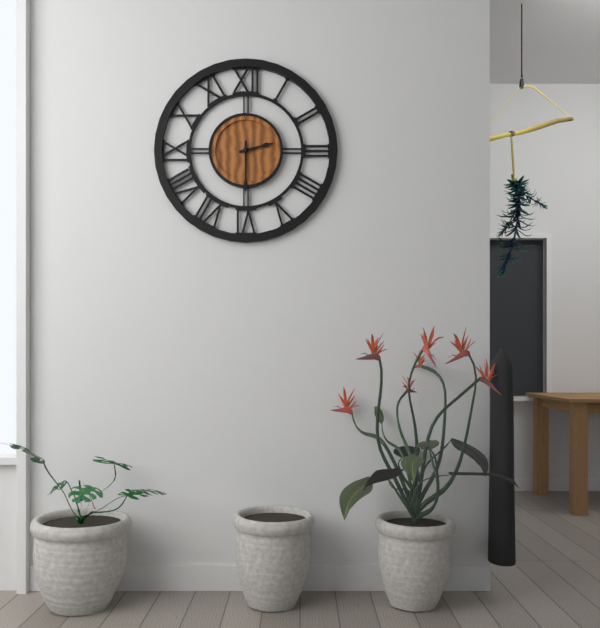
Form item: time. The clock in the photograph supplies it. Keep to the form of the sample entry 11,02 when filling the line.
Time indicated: 2,30
